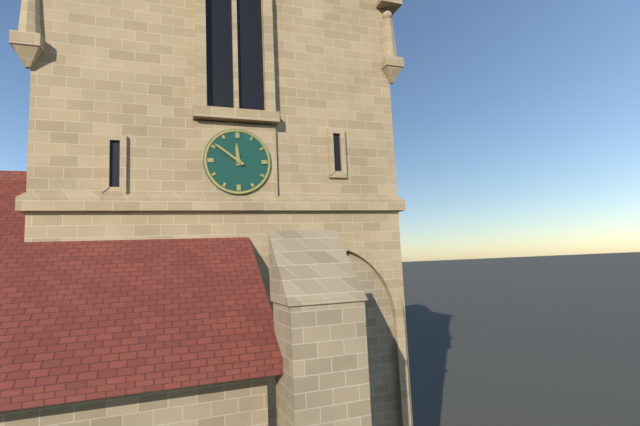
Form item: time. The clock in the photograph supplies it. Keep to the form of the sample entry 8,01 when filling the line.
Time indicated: 11,51
